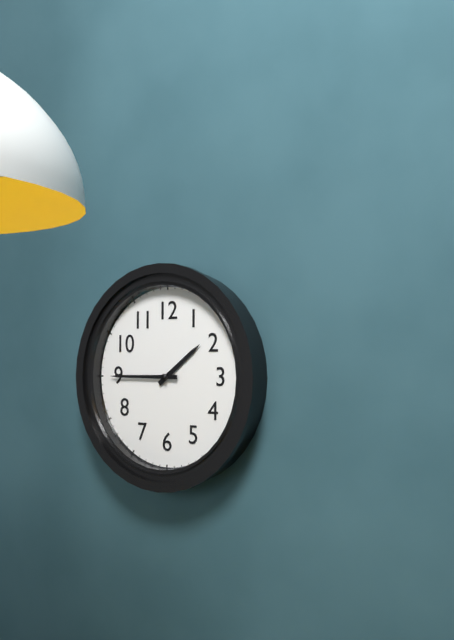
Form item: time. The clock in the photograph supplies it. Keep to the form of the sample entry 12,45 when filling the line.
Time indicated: 1,45
